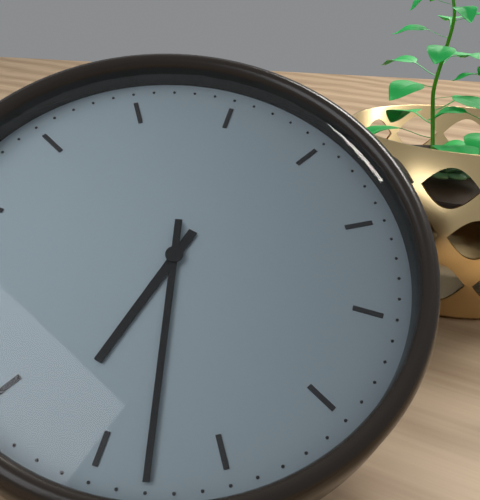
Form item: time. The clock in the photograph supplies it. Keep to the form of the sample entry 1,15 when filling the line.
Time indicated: 6,28
